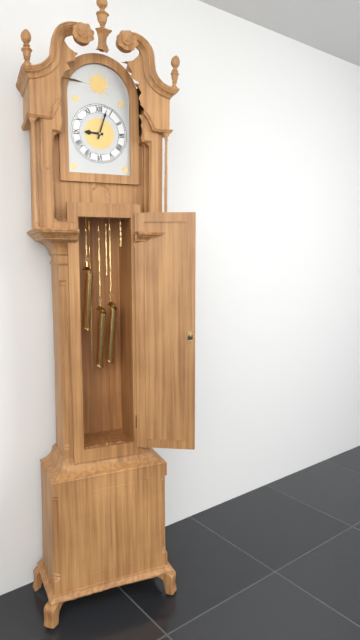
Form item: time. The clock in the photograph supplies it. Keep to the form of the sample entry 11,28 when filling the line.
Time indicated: 9,03
